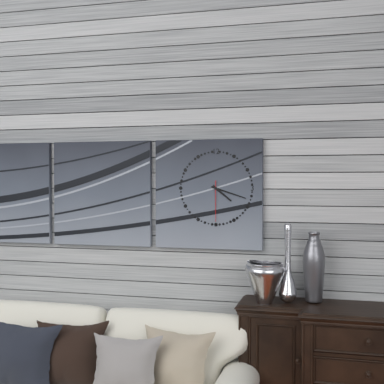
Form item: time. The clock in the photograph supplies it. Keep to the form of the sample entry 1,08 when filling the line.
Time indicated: 4,18
